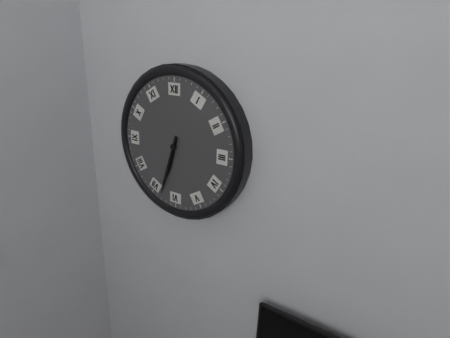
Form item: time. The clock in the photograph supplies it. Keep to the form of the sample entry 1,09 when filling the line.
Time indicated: 6,33
